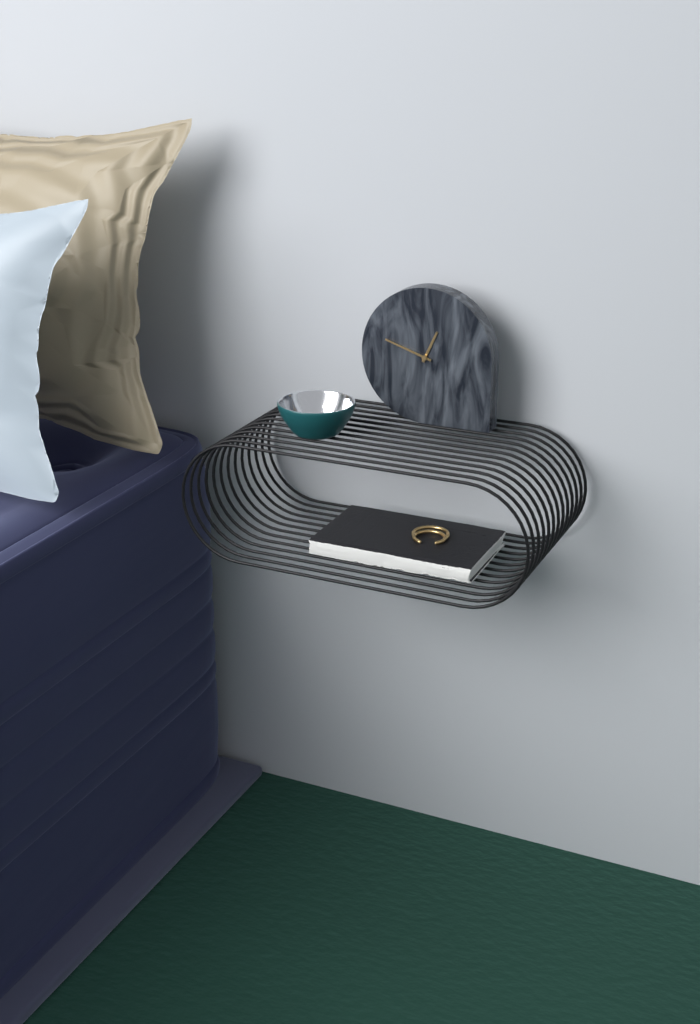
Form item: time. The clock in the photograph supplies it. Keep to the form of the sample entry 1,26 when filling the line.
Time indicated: 12,48
